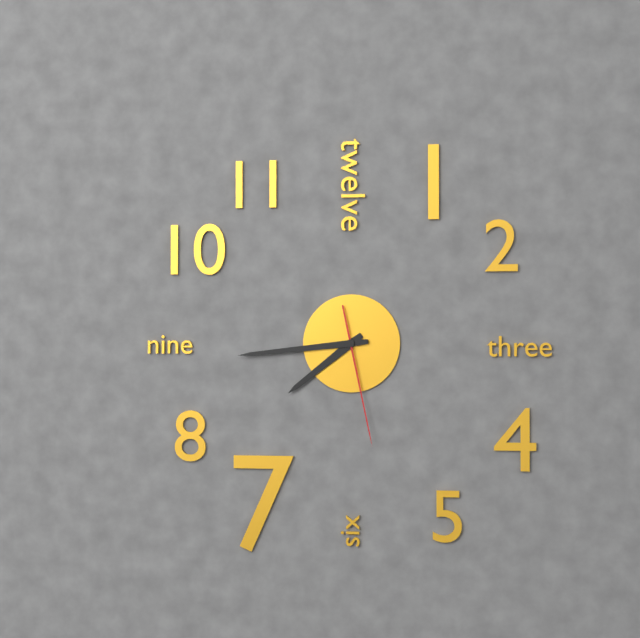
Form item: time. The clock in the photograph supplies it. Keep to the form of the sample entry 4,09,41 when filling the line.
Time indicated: 7,44,28
